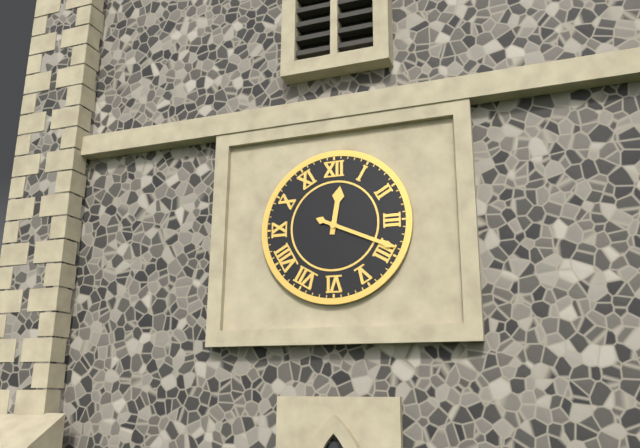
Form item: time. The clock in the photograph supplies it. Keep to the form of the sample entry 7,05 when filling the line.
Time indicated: 12,19
